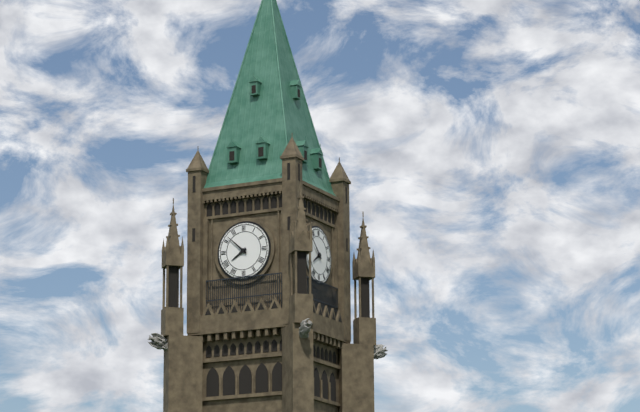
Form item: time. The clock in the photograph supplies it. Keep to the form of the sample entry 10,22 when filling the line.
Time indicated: 7,52
